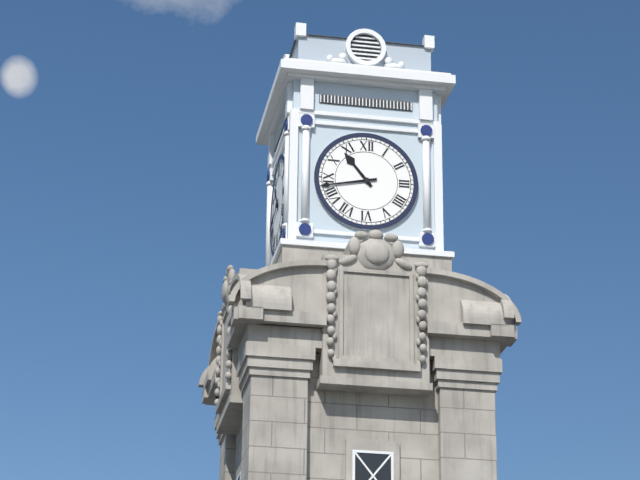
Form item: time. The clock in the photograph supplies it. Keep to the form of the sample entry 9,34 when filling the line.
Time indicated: 10,43
